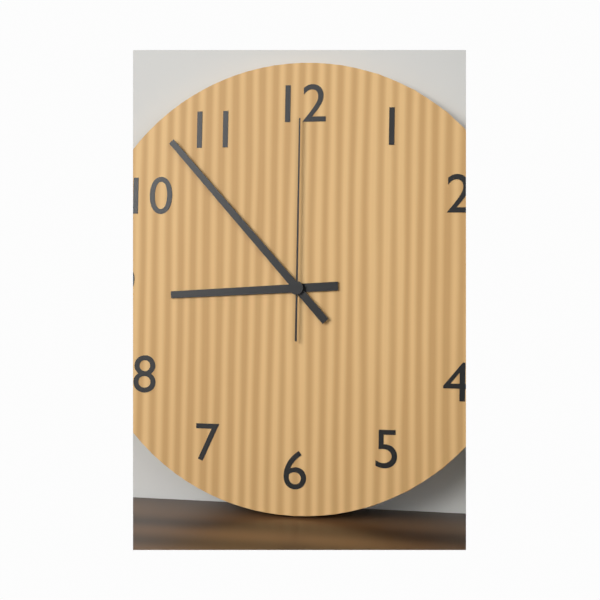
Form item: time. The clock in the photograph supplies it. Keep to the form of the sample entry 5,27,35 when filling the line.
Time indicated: 8,53,00
